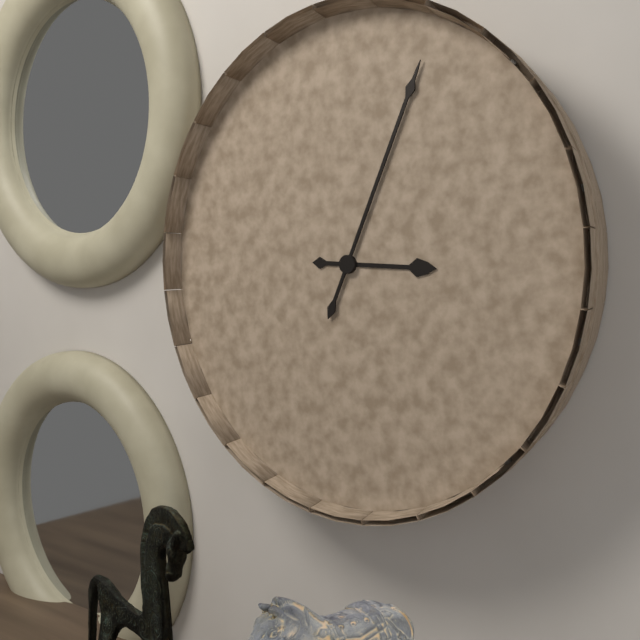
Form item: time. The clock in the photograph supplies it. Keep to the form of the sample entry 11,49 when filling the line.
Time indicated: 3,04
